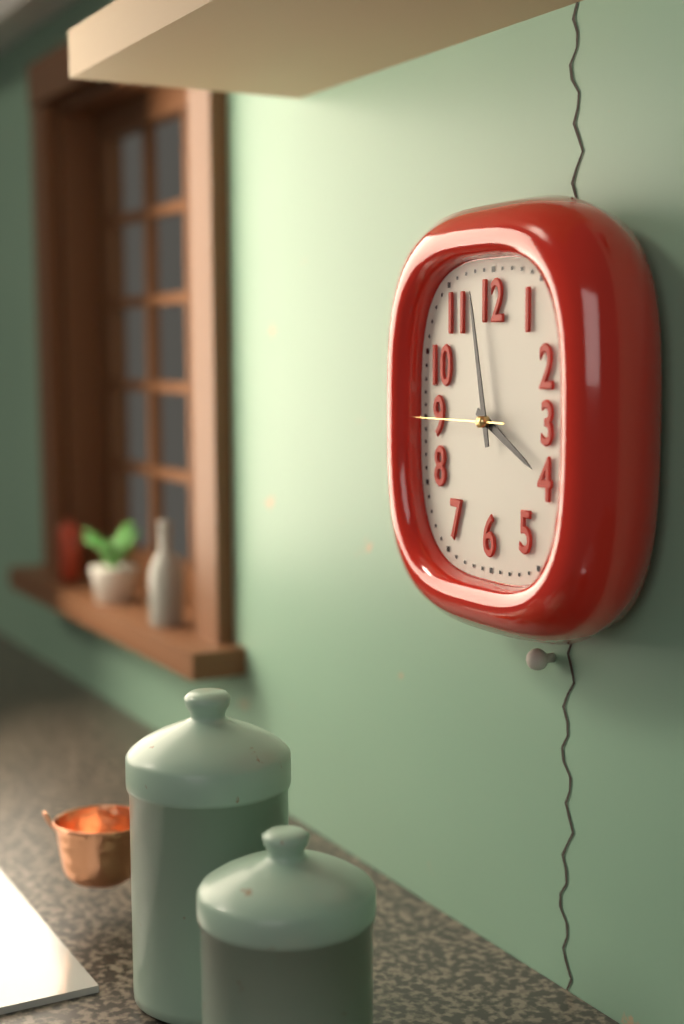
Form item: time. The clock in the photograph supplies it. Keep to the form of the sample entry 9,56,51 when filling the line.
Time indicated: 3,58,45
